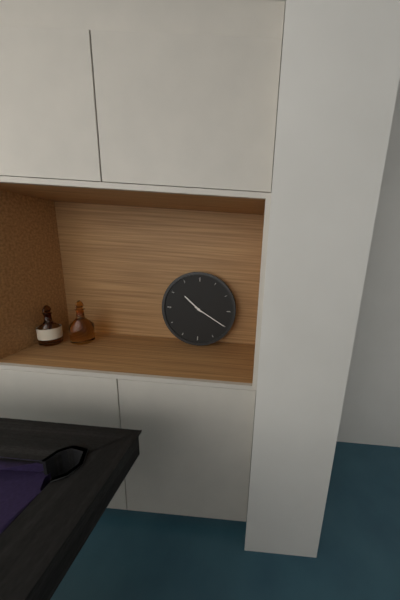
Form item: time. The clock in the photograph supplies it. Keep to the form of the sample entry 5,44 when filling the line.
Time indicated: 10,20
